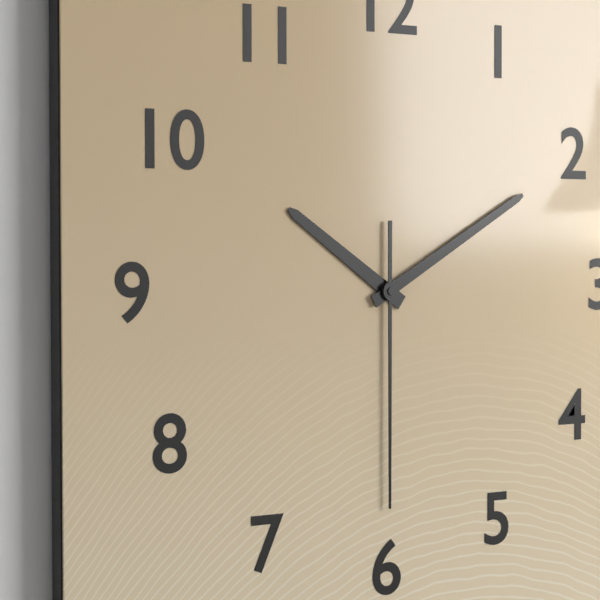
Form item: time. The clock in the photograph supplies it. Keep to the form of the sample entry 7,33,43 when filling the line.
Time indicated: 10,10,30
